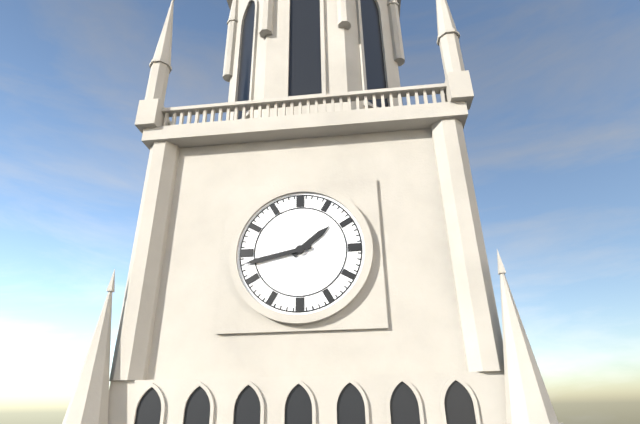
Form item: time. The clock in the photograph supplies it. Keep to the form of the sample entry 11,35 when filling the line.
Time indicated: 1,43
